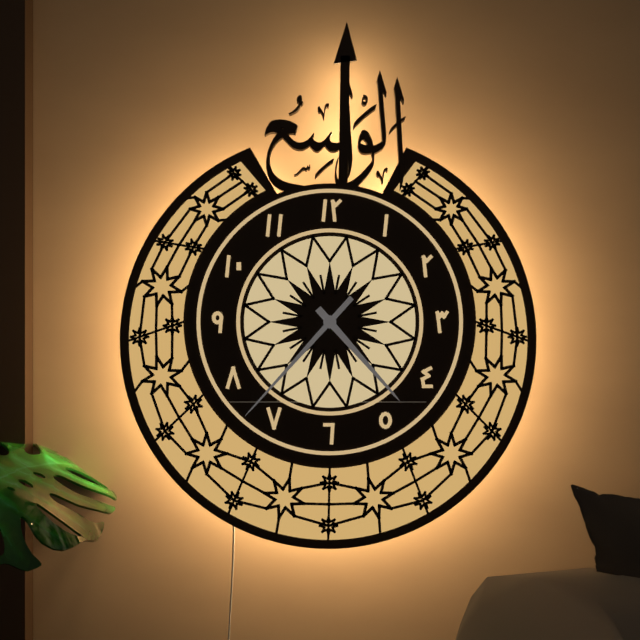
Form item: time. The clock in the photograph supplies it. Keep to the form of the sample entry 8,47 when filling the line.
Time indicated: 4,37
